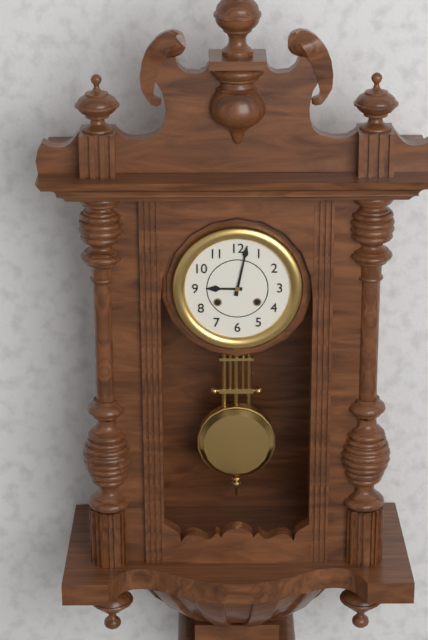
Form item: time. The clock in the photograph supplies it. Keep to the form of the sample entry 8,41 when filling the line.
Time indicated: 9,02
